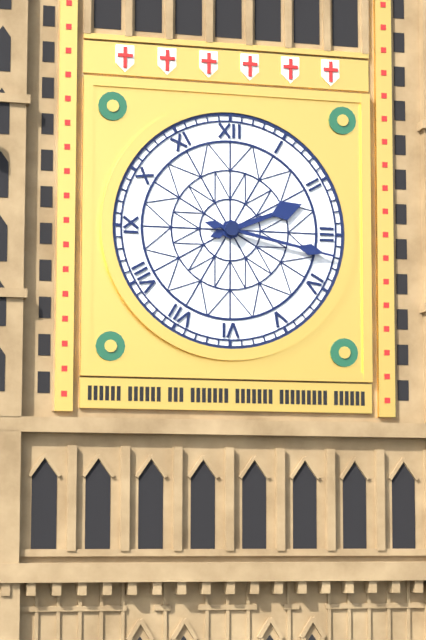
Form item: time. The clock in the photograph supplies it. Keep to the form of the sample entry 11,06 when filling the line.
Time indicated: 2,17
